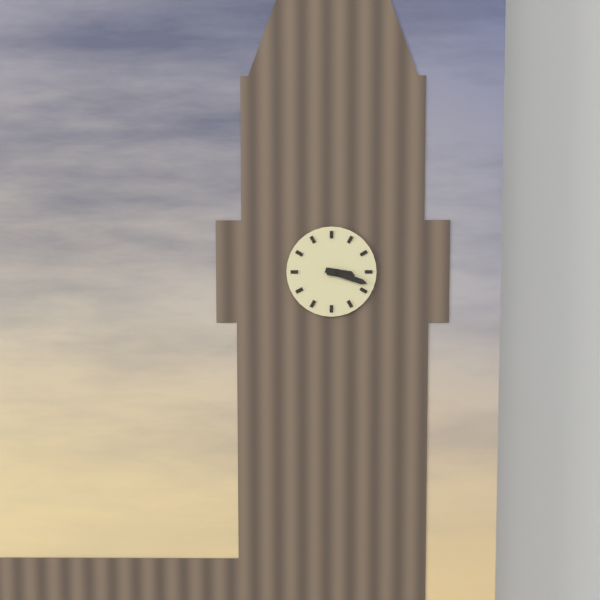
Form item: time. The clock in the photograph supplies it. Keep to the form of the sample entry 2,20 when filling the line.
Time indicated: 3,18
